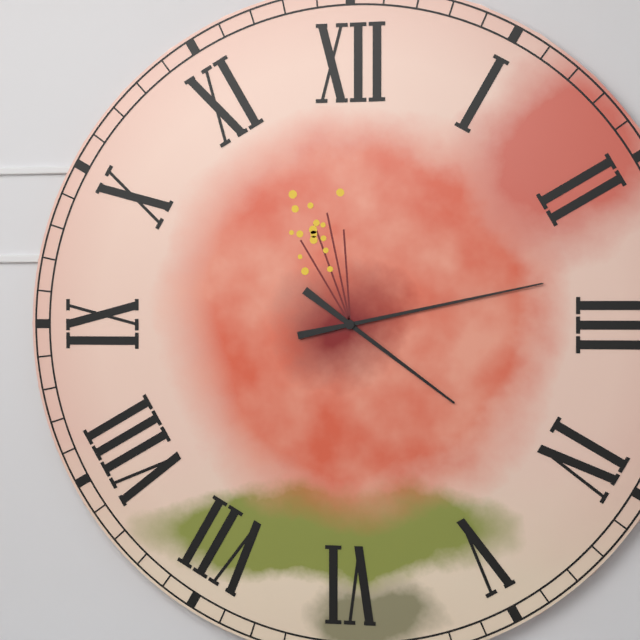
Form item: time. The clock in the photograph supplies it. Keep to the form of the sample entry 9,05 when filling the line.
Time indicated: 4,13
